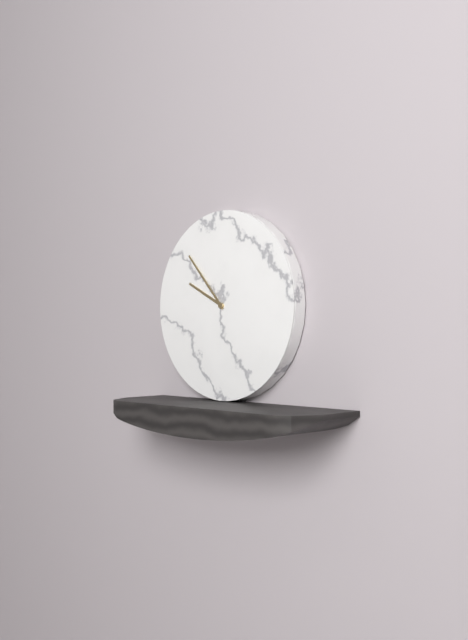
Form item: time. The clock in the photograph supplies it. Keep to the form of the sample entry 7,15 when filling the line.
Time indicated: 9,53
